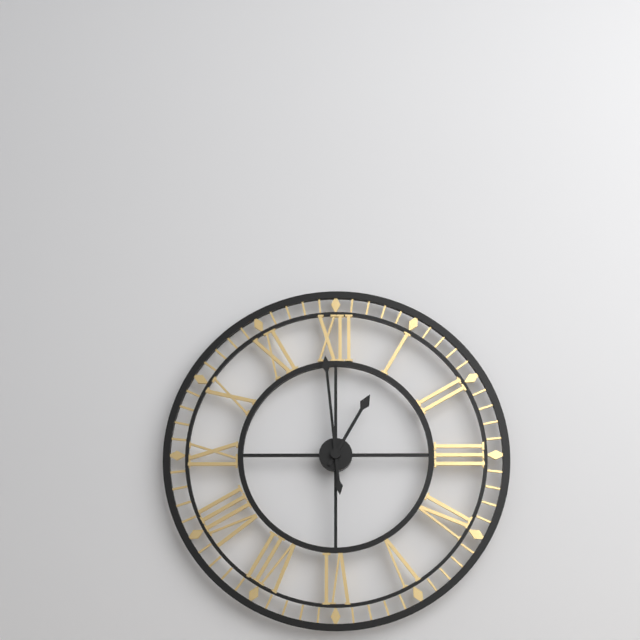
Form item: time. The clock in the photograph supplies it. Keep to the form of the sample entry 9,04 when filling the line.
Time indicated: 12,59
